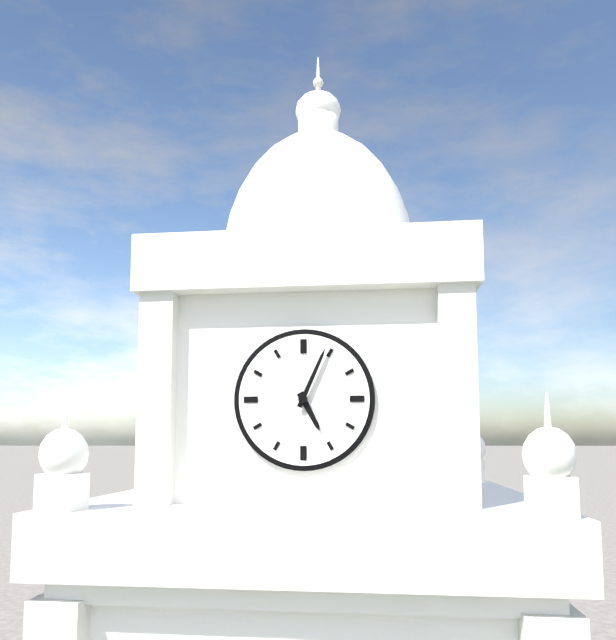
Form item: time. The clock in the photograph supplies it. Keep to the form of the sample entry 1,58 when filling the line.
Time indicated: 5,04
